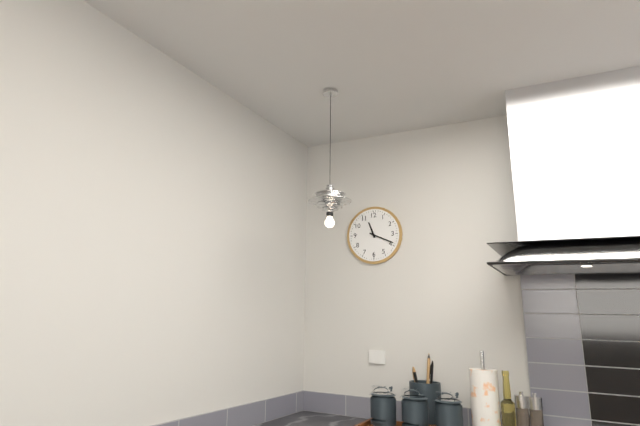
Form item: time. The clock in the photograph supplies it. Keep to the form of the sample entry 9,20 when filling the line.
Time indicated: 11,19
